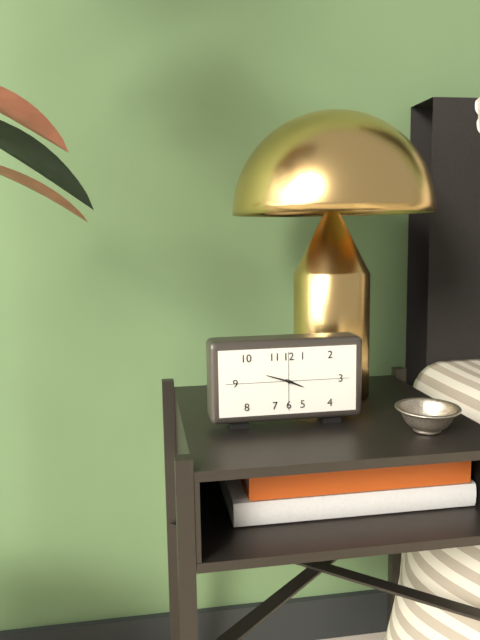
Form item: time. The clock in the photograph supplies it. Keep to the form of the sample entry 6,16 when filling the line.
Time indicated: 3,48
